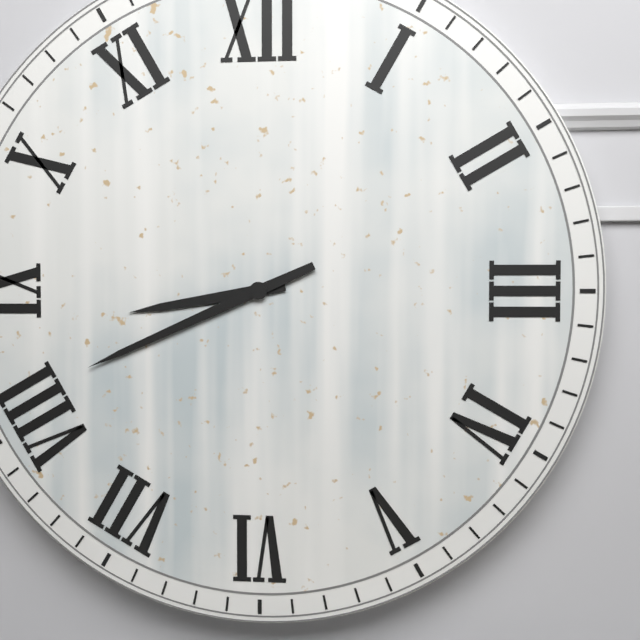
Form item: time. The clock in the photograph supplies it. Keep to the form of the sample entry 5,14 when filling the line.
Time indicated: 8,41
